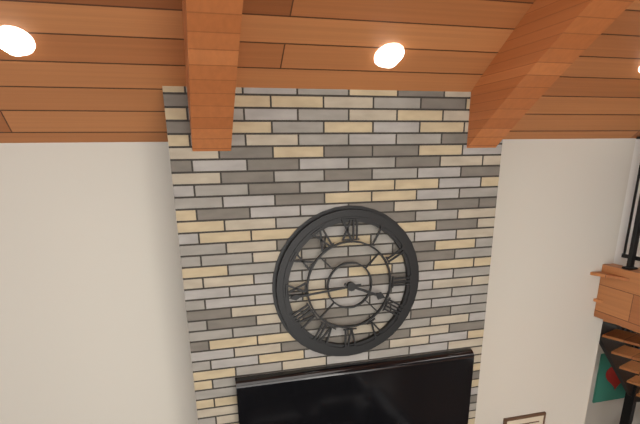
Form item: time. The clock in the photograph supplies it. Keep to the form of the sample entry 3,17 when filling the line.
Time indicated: 3,44
